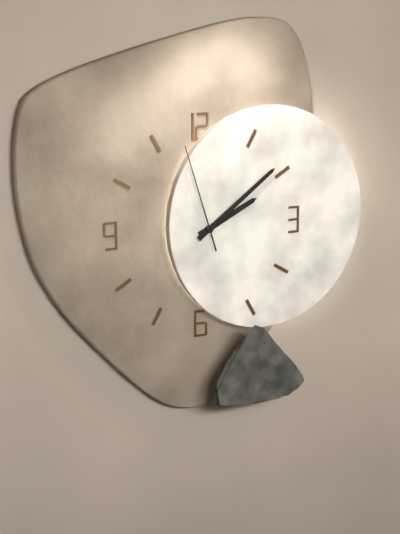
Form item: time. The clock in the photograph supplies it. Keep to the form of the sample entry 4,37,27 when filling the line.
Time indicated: 2,09,57
